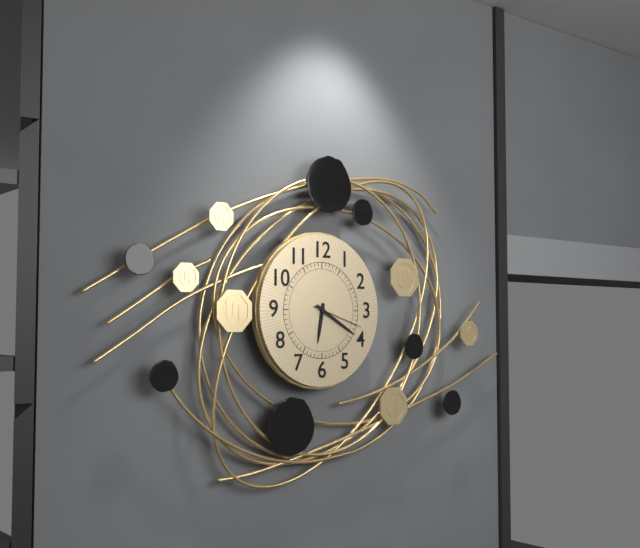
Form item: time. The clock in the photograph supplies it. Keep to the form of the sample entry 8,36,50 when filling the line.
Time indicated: 6,20,18
